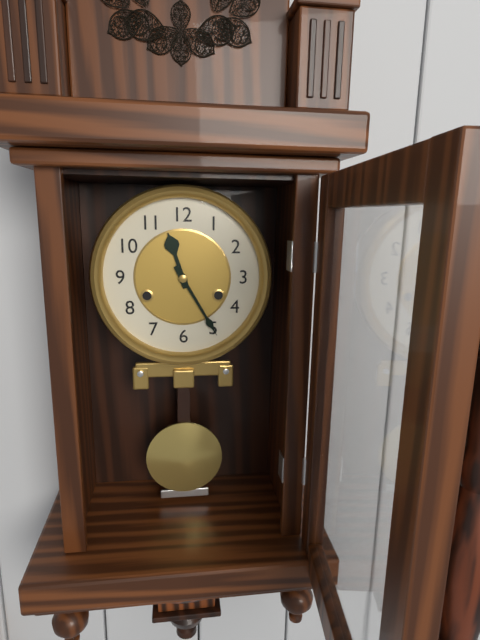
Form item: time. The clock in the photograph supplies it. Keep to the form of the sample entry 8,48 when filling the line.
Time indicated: 11,25
